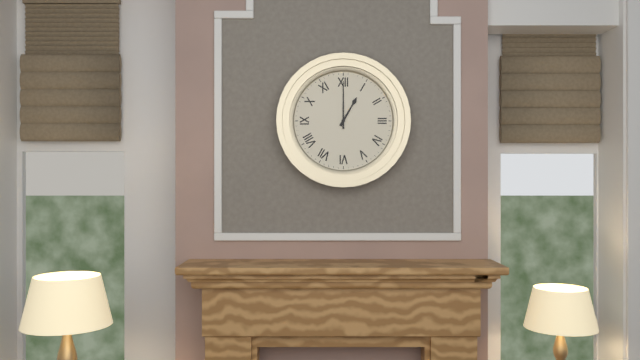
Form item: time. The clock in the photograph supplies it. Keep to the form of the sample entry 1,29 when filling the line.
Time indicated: 1,00
